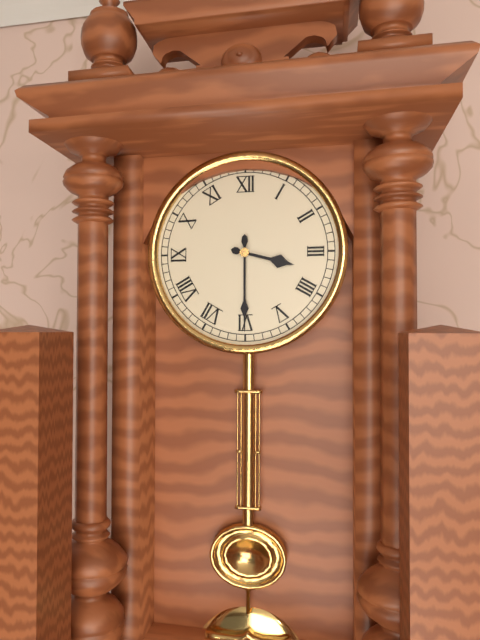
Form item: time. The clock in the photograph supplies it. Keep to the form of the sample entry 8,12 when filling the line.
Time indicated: 3,30
